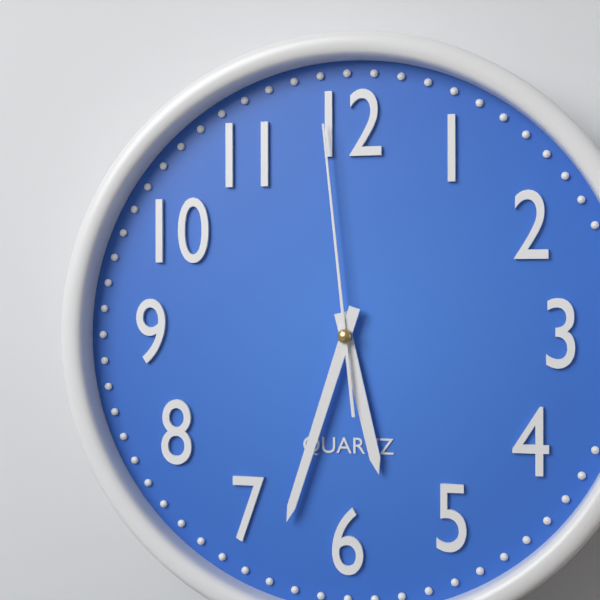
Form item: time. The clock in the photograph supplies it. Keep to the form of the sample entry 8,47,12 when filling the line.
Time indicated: 5,33,59
